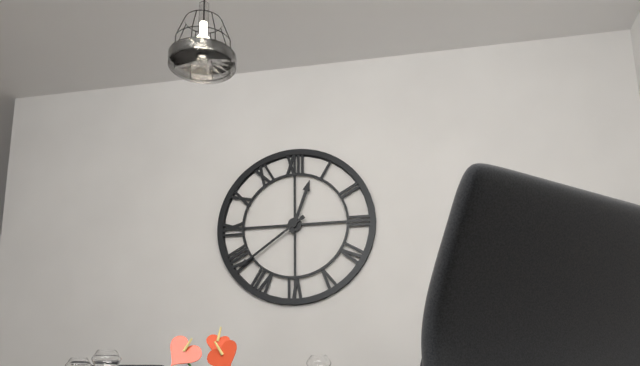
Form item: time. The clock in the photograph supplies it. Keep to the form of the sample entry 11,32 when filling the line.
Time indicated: 12,39
